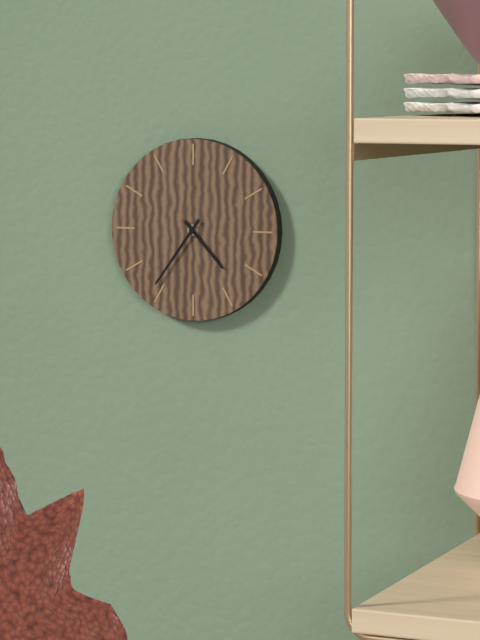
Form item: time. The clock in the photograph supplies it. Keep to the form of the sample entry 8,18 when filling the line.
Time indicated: 4,36
